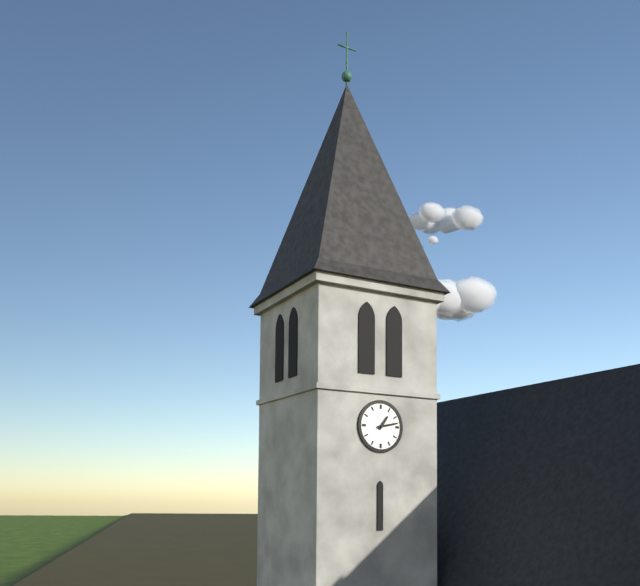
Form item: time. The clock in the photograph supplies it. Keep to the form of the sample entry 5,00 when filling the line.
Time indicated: 1,13
